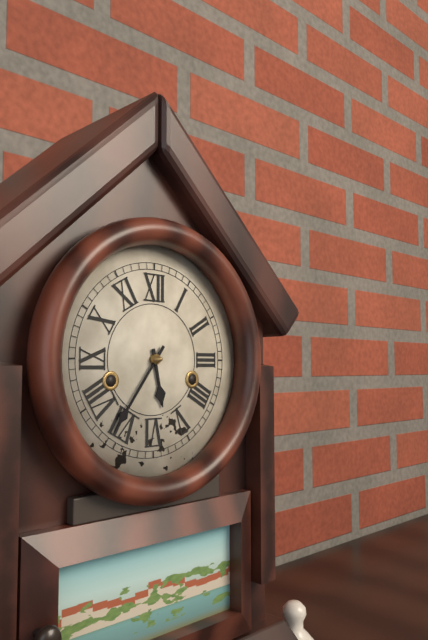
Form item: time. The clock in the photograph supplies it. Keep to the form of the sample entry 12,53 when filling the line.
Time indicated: 5,36
